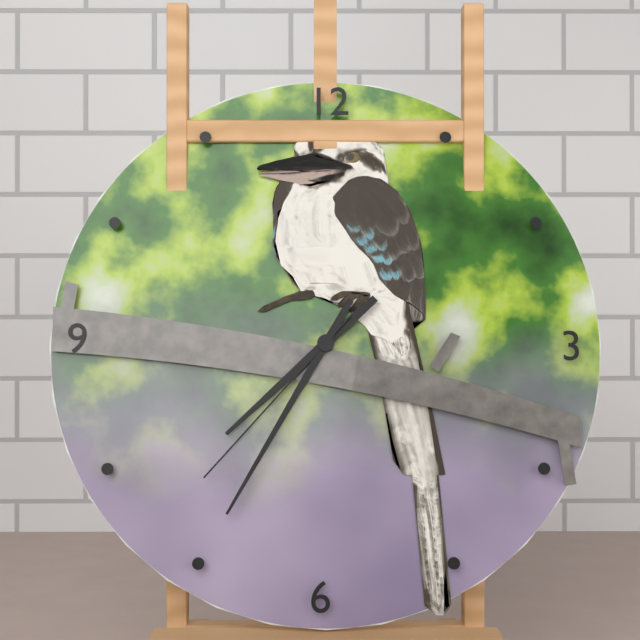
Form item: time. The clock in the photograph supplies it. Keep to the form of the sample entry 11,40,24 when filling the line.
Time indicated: 7,35,37
